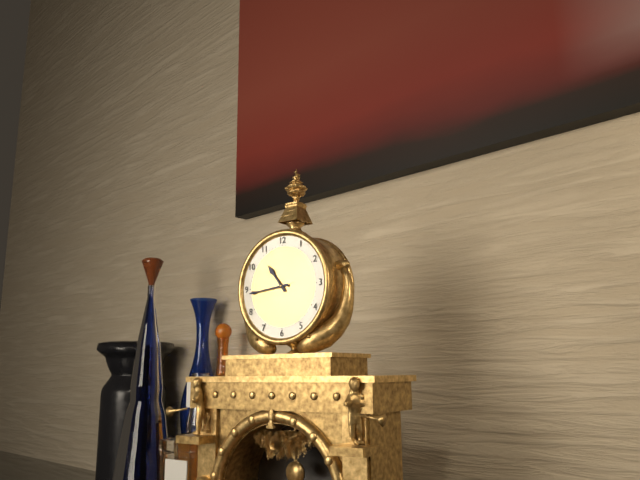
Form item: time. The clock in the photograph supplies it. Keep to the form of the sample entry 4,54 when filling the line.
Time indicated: 10,44
